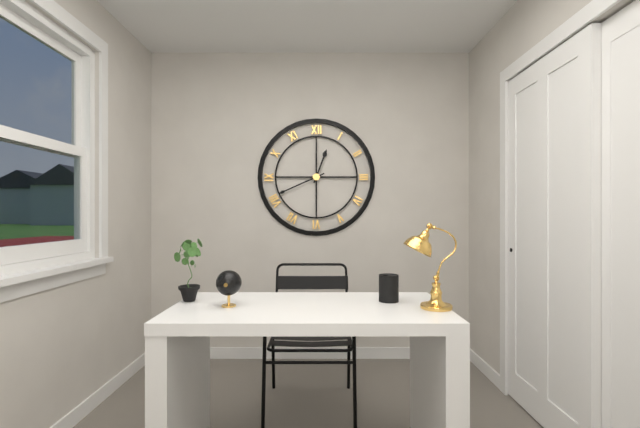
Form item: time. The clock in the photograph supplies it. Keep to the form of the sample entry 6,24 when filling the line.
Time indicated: 12,41
